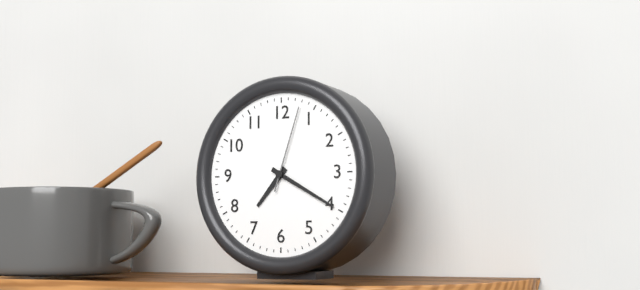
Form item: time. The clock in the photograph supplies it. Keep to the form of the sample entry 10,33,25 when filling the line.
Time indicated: 7,20,03
